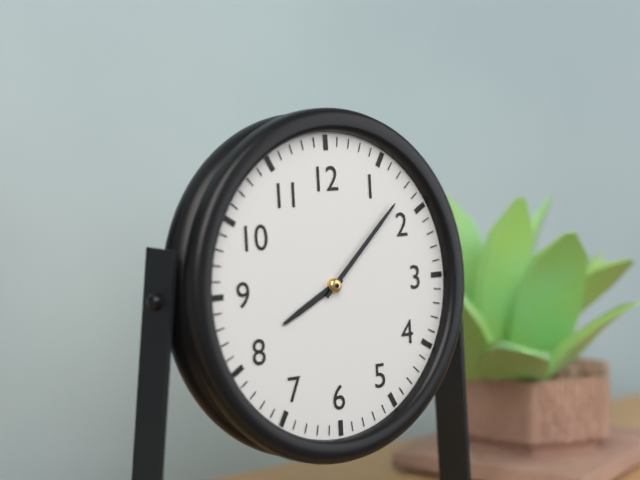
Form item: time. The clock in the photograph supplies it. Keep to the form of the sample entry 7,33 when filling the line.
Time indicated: 8,08
